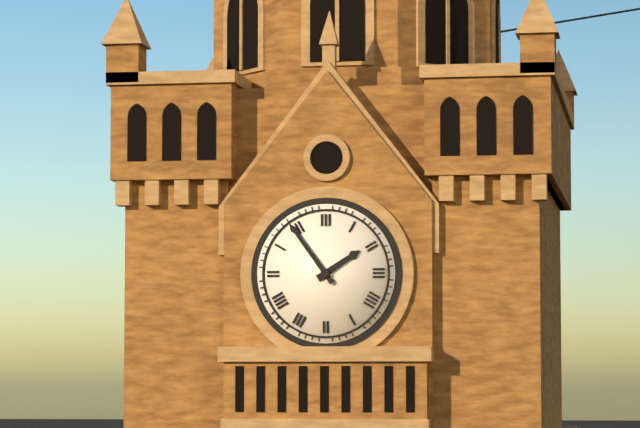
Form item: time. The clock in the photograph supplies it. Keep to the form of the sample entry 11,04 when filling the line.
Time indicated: 1,54
